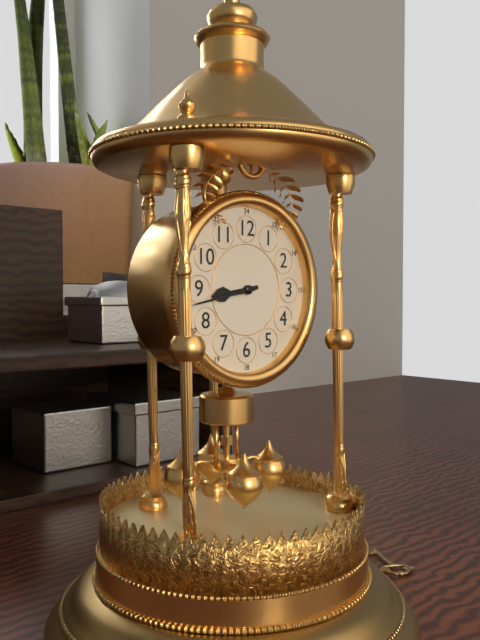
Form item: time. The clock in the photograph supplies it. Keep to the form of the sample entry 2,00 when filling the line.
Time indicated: 8,43
